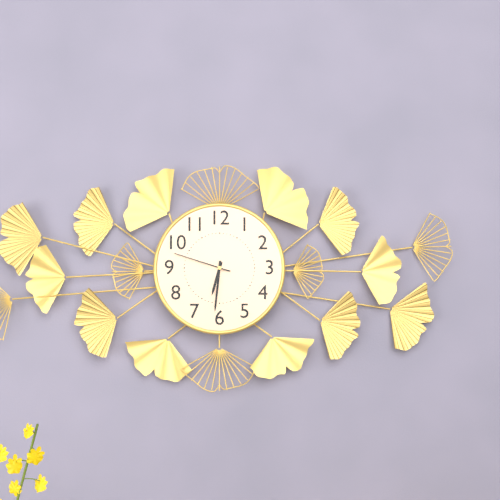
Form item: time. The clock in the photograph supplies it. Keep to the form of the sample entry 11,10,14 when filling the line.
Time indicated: 6,31,48
